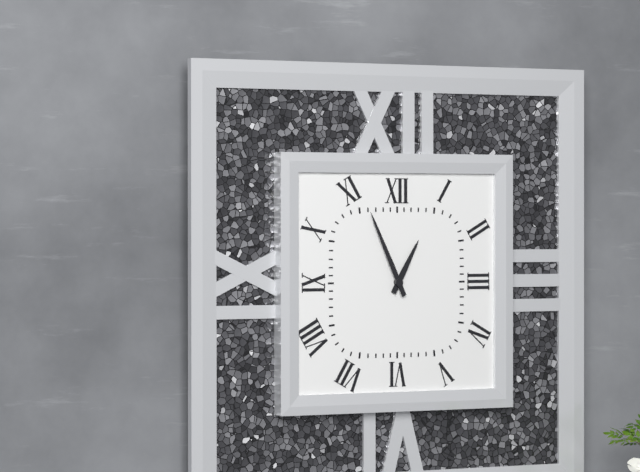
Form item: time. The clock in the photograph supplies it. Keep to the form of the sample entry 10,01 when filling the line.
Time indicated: 12,56
